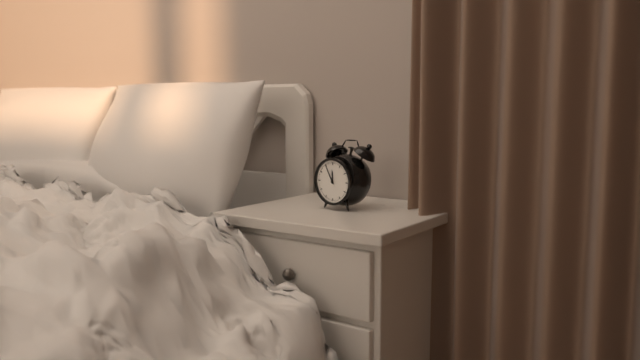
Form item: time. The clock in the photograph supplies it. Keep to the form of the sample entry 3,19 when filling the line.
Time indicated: 11,55
